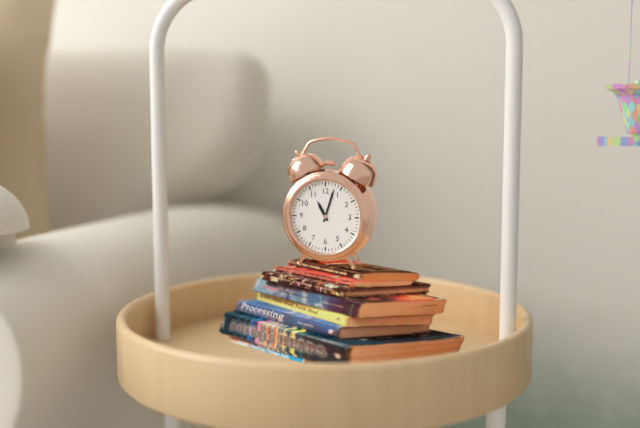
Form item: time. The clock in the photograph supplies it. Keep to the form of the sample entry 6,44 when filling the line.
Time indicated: 11,03
